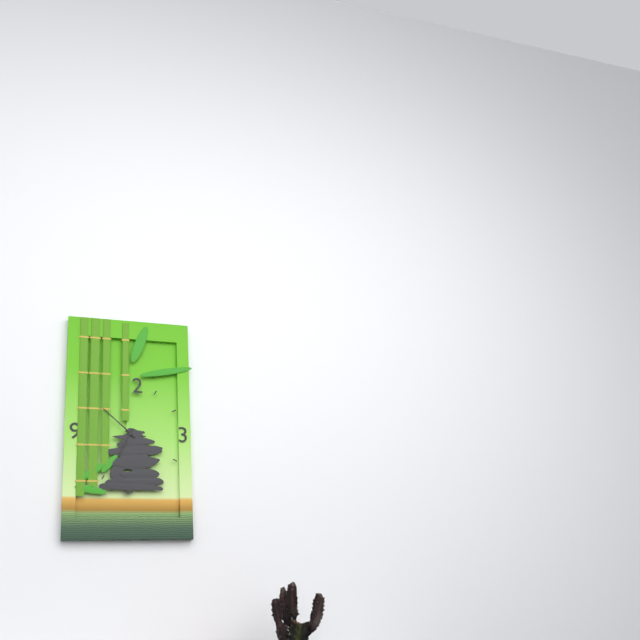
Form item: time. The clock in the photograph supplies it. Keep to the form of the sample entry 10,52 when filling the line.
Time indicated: 6,52
